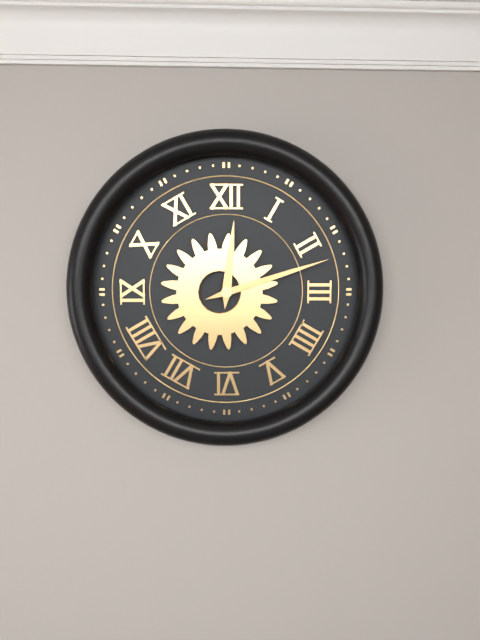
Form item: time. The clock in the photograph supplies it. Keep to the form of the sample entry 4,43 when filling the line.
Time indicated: 12,12
